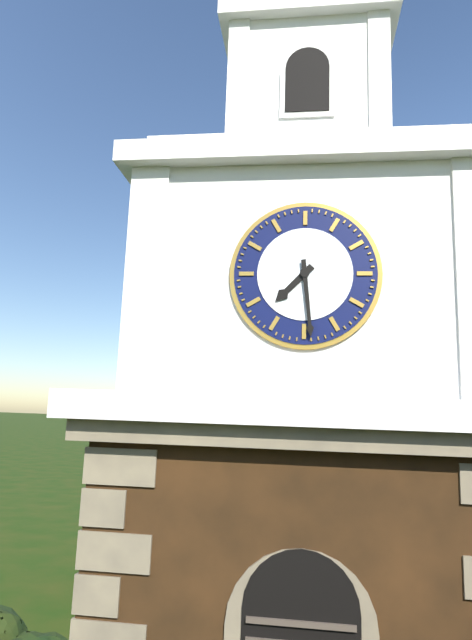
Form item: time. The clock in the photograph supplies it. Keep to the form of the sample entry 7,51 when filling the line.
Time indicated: 7,29
